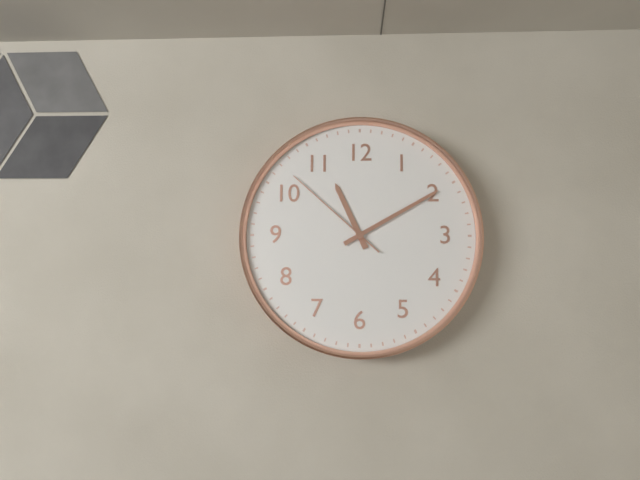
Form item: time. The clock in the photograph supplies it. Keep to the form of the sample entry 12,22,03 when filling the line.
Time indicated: 11,10,52
